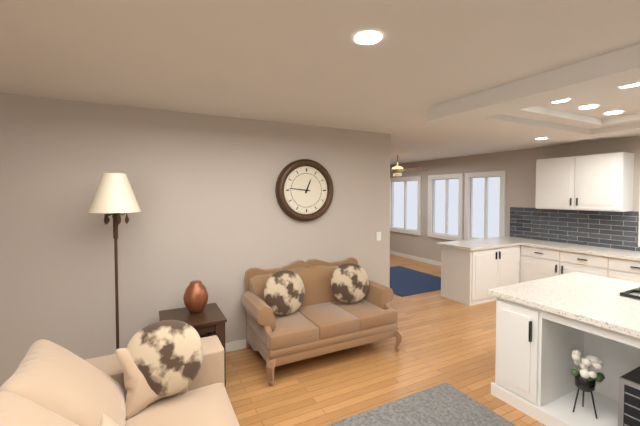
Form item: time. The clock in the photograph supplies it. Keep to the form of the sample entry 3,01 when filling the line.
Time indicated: 12,46
